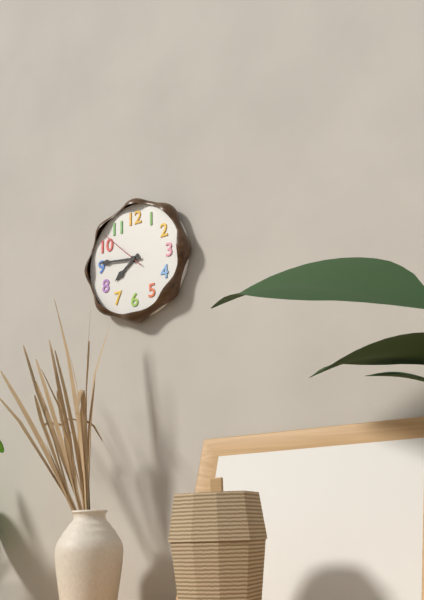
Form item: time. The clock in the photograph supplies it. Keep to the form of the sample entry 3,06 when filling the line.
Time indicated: 7,46
